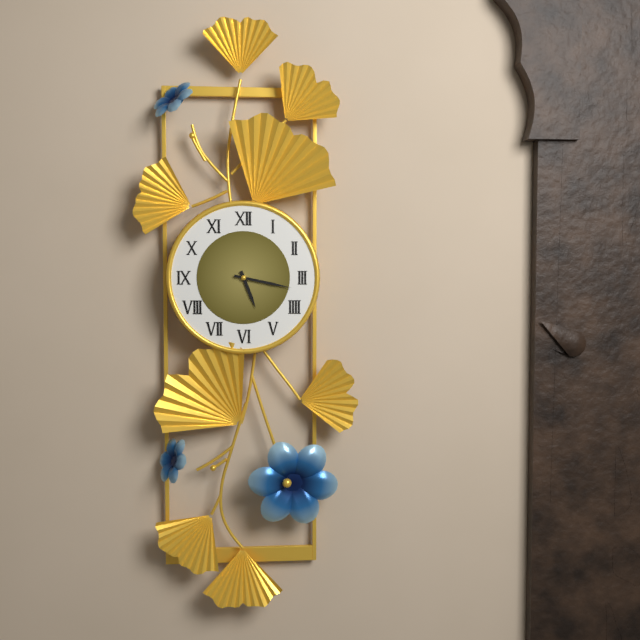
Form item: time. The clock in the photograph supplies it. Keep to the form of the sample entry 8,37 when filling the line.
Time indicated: 5,17
